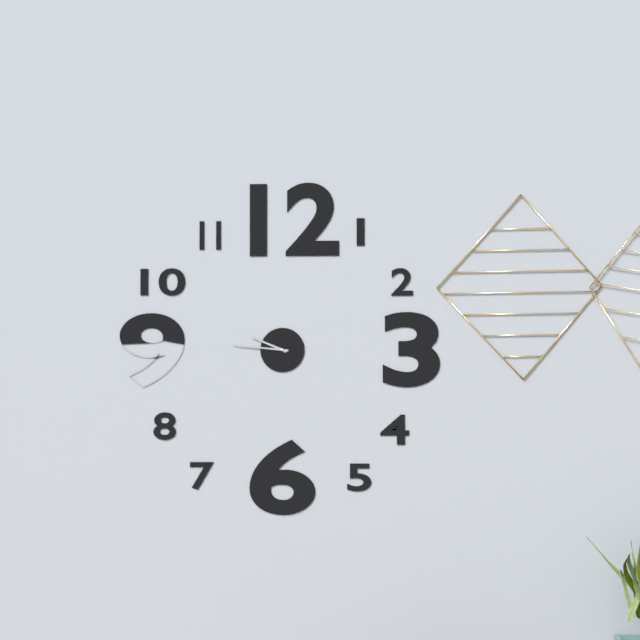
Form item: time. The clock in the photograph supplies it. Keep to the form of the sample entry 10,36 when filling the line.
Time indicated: 9,46
